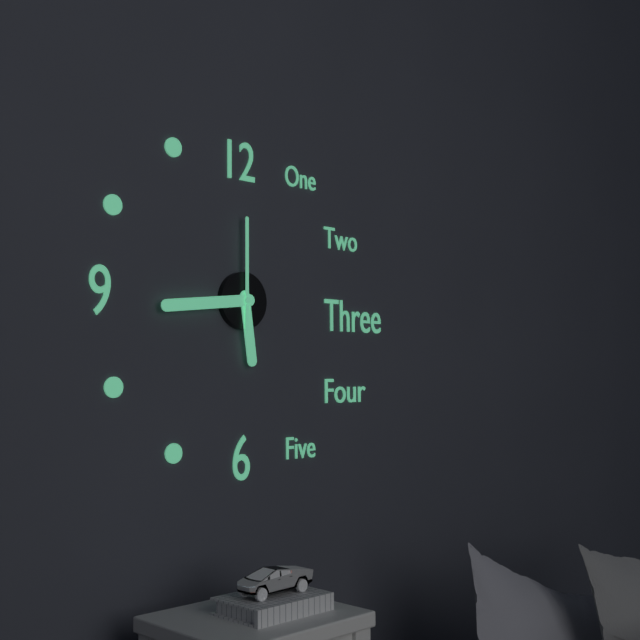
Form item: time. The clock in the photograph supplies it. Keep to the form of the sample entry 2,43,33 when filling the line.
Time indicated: 5,44,00
